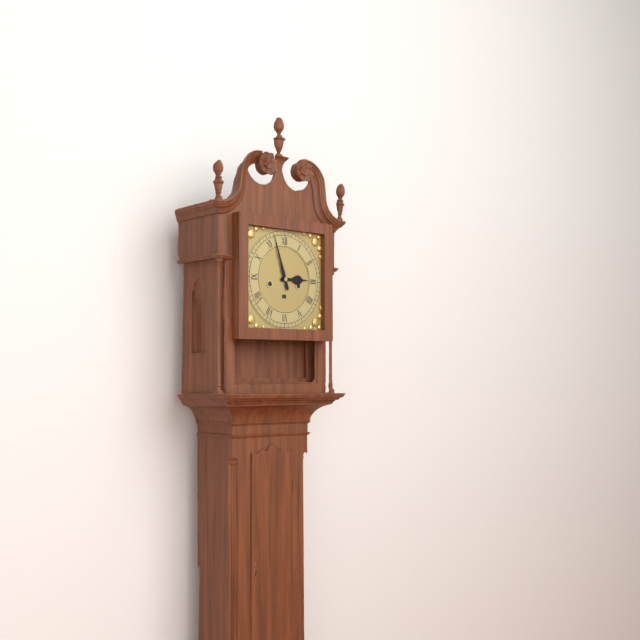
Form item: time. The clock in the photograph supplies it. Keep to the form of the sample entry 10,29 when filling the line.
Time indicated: 2,57
